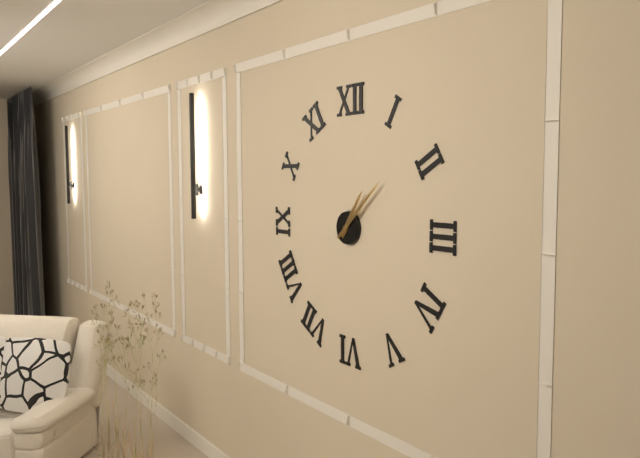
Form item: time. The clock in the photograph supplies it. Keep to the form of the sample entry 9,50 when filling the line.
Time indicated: 1,08
